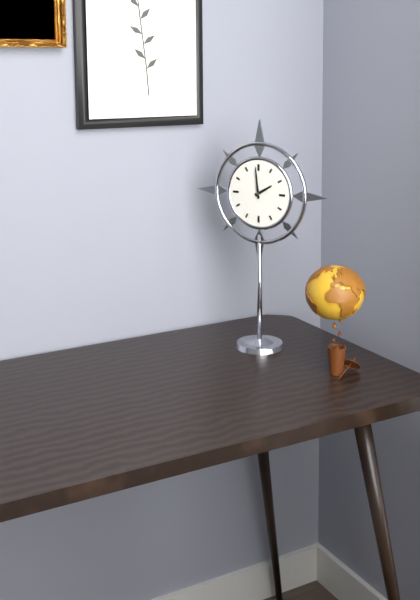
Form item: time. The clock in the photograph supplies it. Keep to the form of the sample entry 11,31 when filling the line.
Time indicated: 1,59
